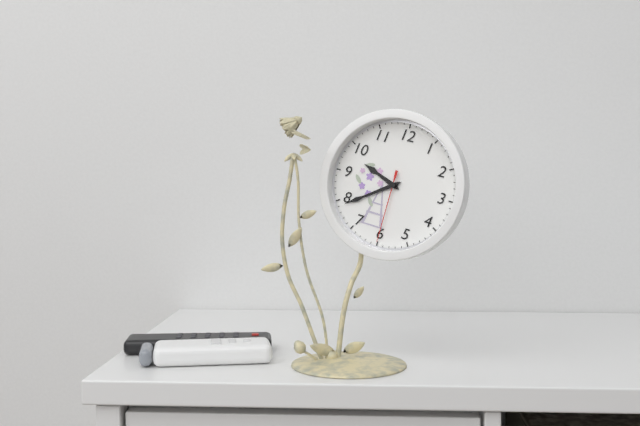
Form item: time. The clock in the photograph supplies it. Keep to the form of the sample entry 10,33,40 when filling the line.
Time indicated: 9,39,30
